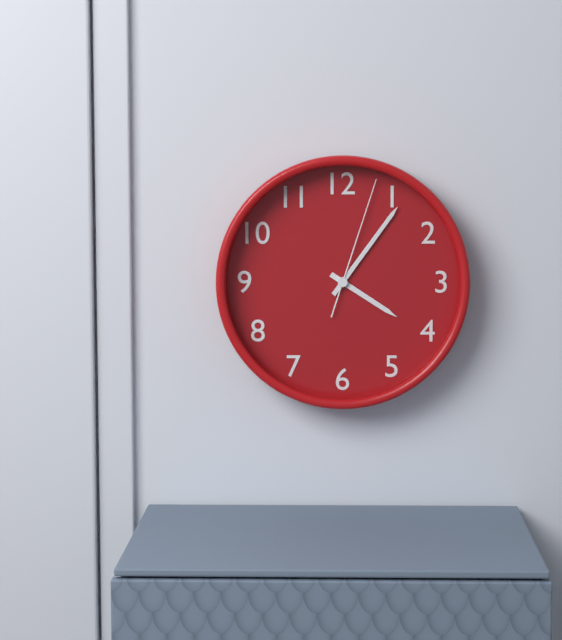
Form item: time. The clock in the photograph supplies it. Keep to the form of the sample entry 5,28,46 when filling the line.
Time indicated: 4,06,03
